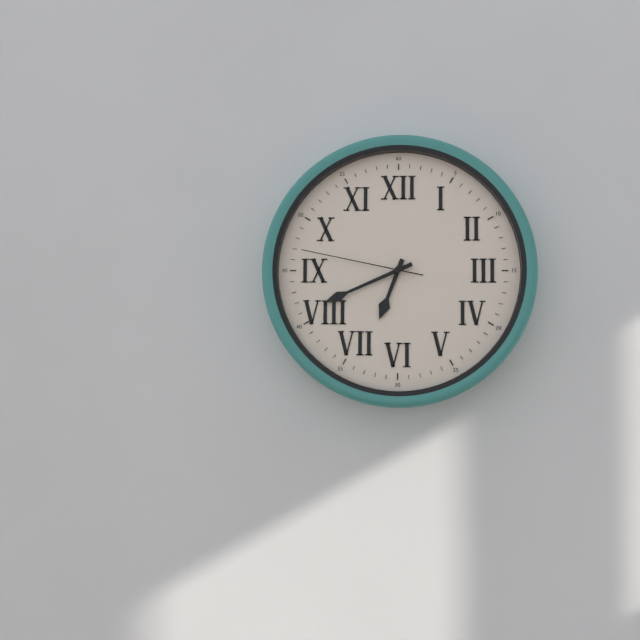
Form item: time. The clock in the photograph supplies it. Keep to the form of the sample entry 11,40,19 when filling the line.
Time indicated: 6,41,47
